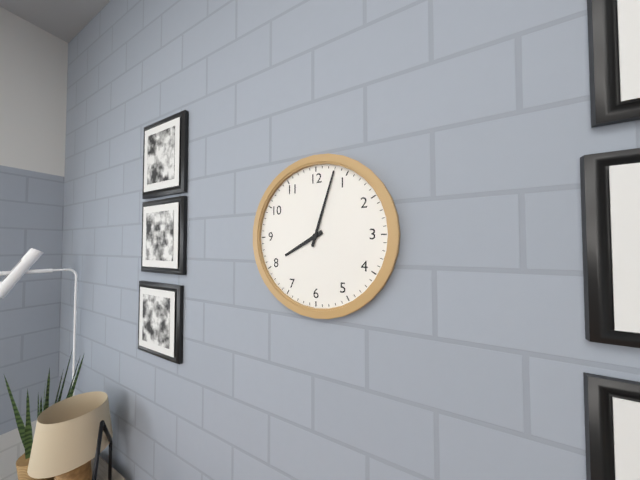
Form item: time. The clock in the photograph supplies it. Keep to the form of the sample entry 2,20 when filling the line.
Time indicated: 8,03
